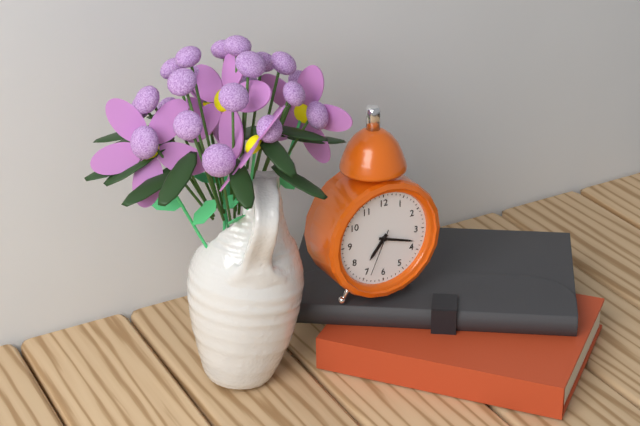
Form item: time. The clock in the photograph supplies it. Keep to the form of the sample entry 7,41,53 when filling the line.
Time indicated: 7,18,34
